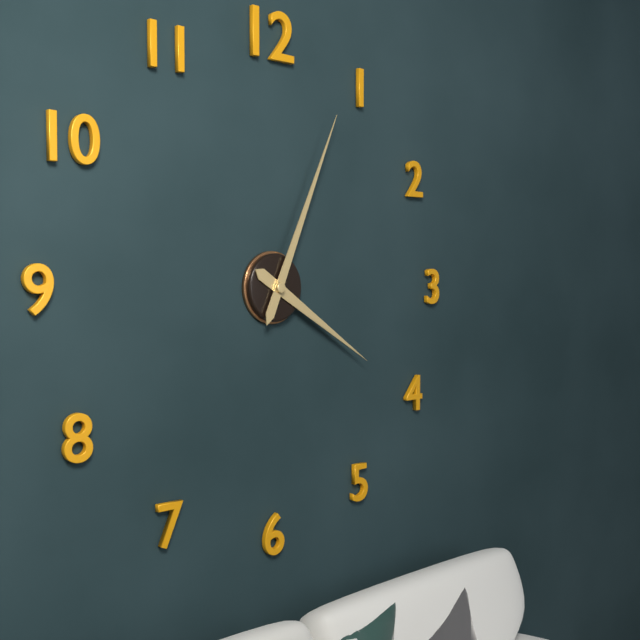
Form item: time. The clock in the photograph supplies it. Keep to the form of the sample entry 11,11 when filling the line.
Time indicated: 4,04
